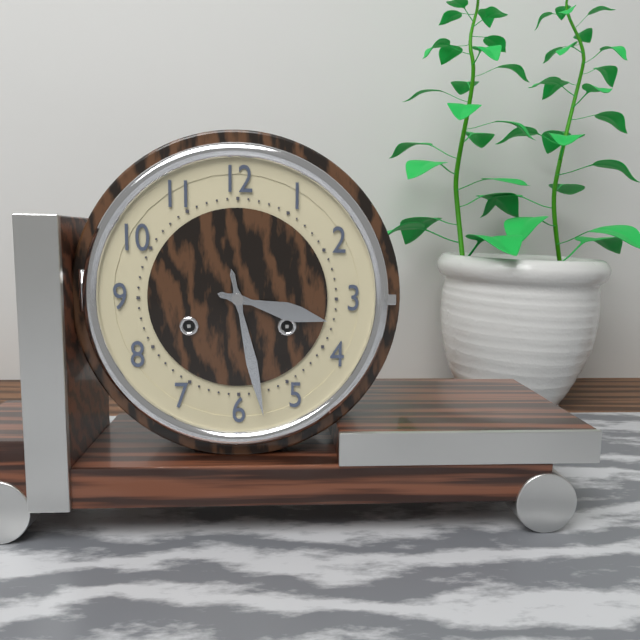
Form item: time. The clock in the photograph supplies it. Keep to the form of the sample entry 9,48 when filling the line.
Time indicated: 3,28
